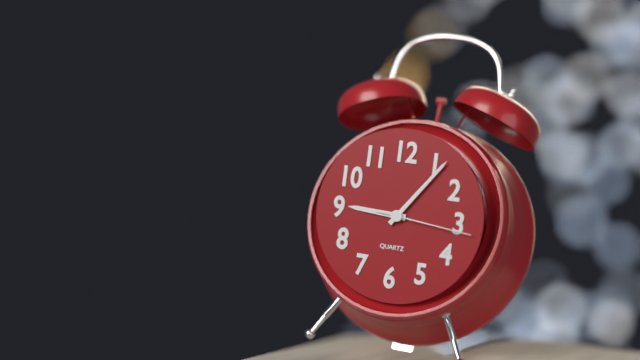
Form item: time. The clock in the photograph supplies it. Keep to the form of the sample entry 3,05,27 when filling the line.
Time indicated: 9,06,16
